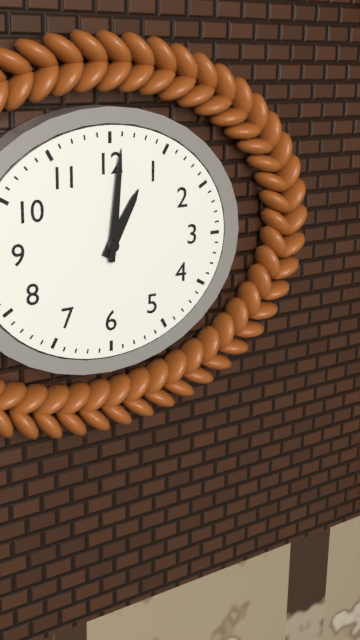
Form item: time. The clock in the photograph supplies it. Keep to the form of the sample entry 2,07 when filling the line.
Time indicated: 1,01
